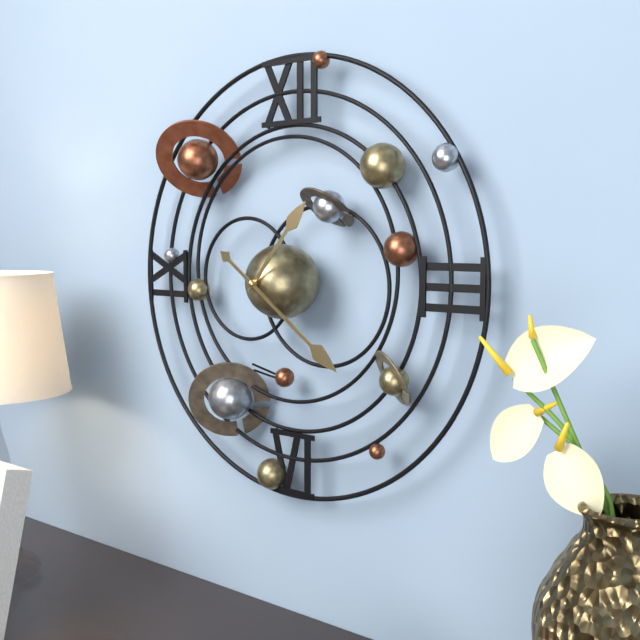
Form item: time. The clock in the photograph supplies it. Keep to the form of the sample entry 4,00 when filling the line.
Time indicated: 1,21
